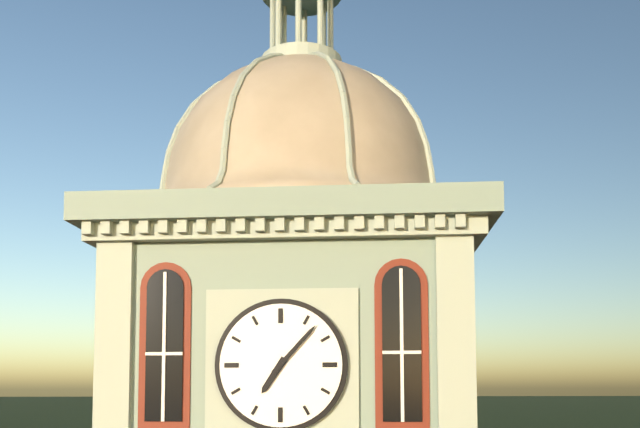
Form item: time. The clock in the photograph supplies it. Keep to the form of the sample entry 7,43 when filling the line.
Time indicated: 7,07
